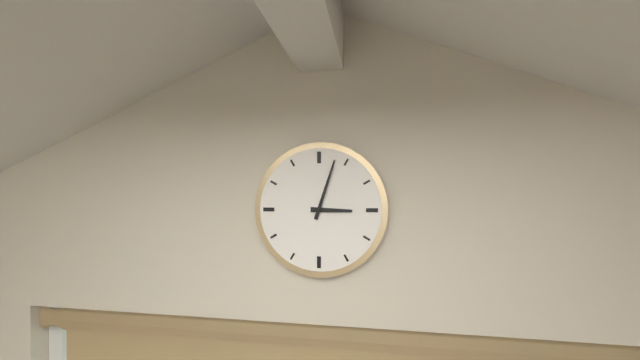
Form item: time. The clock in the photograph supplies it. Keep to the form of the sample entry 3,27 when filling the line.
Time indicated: 3,03
